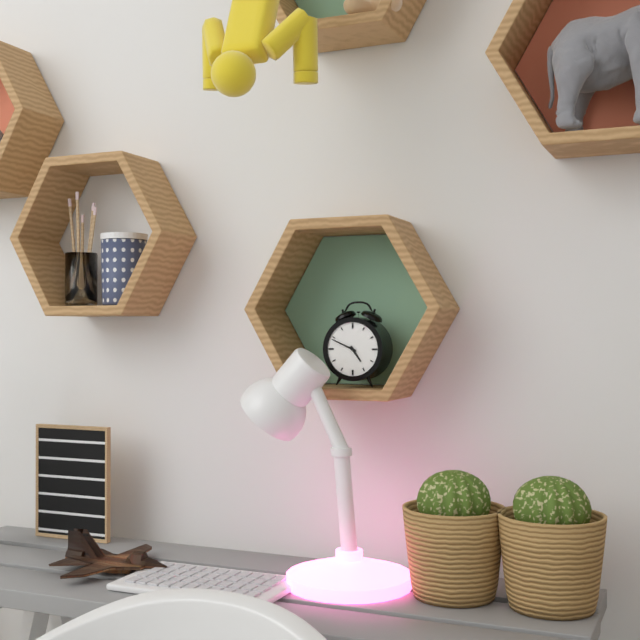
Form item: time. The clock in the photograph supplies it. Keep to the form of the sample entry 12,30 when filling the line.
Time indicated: 4,49
